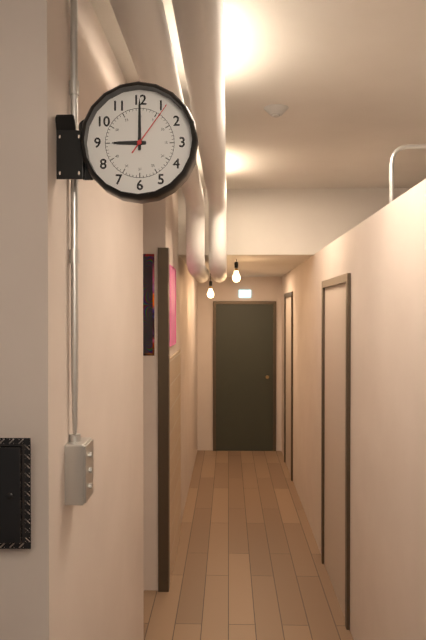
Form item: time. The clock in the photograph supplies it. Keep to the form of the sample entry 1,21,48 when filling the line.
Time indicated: 9,00,06
